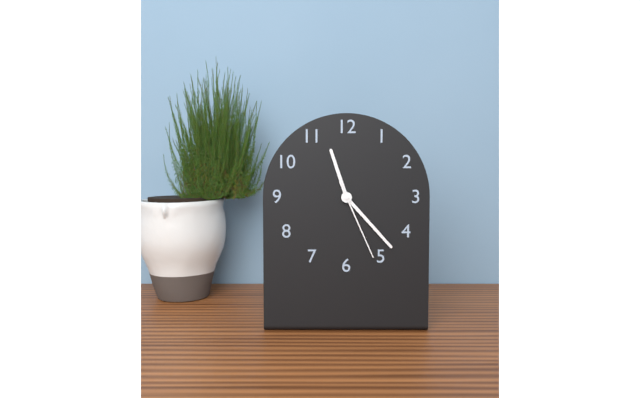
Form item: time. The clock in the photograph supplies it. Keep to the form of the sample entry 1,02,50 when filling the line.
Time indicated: 11,23,26
